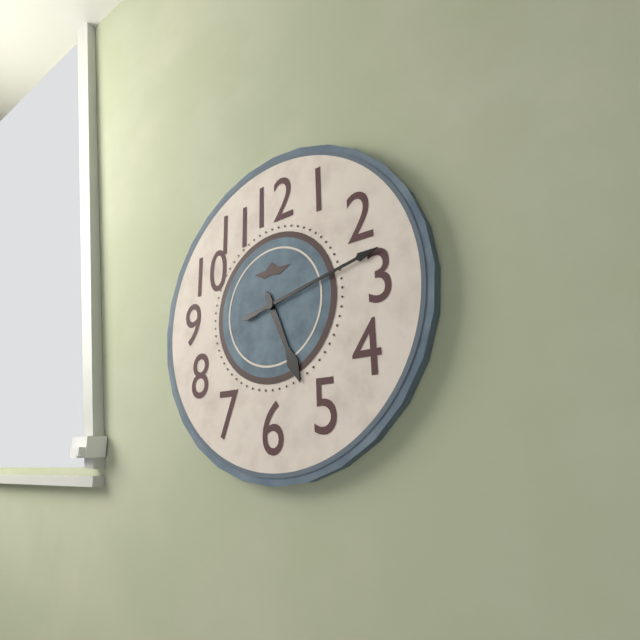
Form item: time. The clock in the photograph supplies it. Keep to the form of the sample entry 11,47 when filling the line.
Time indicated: 5,13
